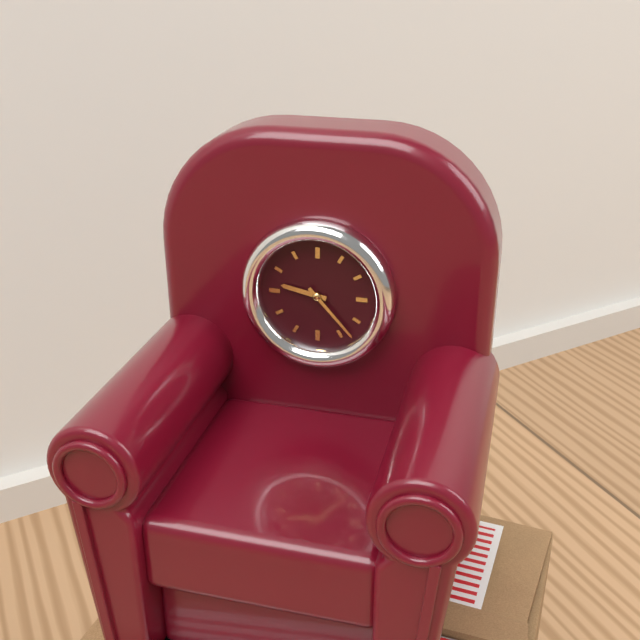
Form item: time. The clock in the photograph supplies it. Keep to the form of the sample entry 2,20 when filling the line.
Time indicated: 9,23
